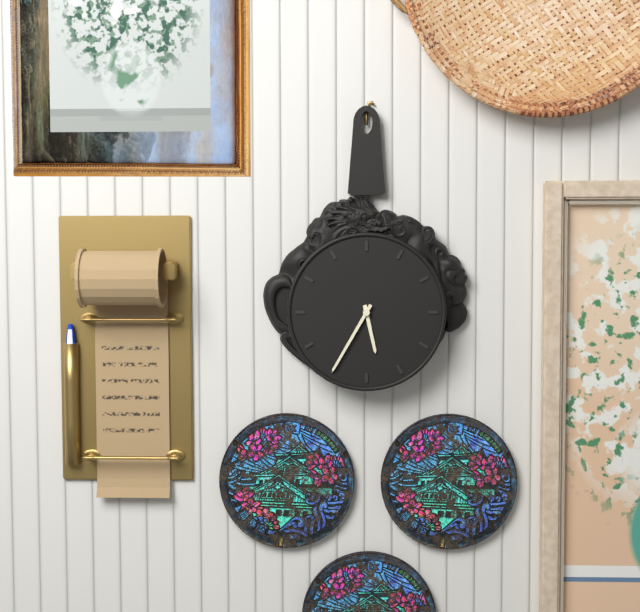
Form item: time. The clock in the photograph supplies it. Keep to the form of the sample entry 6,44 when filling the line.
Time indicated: 5,35
